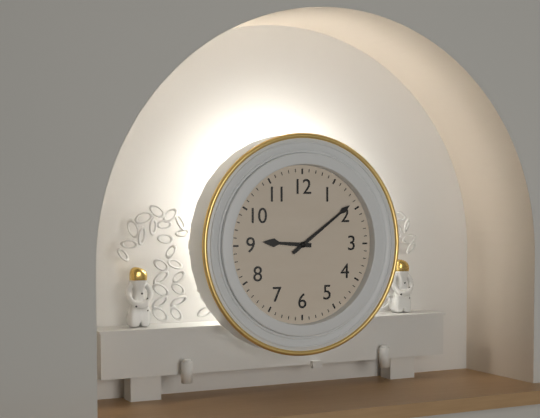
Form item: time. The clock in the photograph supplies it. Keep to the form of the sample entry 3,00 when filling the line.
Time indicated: 9,09
